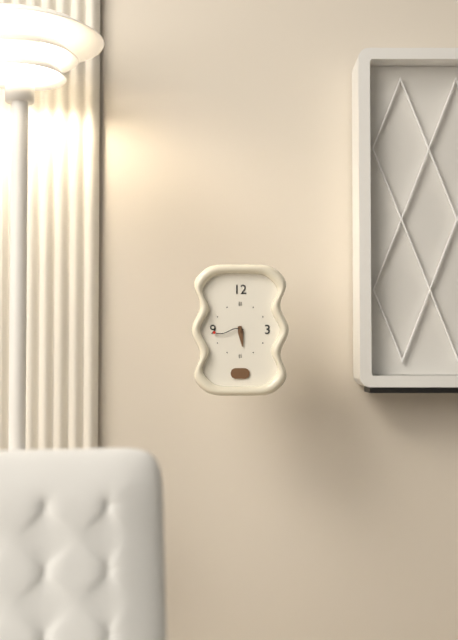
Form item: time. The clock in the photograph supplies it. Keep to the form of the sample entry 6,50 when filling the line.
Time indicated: 5,44
